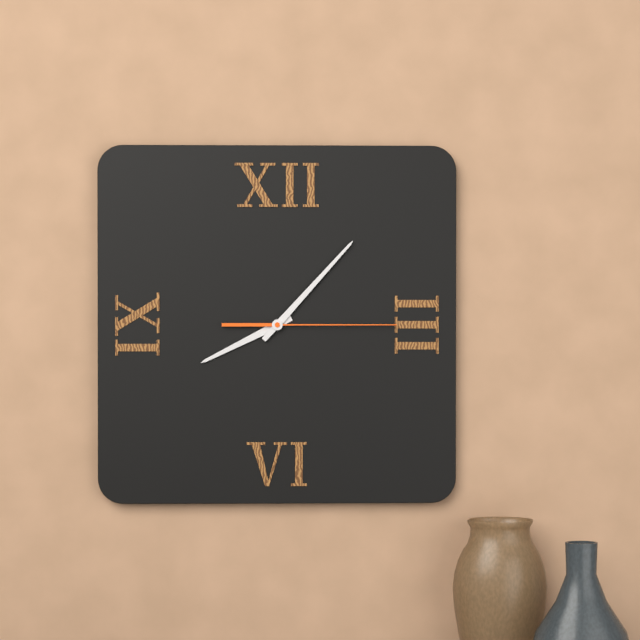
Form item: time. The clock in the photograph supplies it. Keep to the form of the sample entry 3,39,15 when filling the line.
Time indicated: 8,07,15
